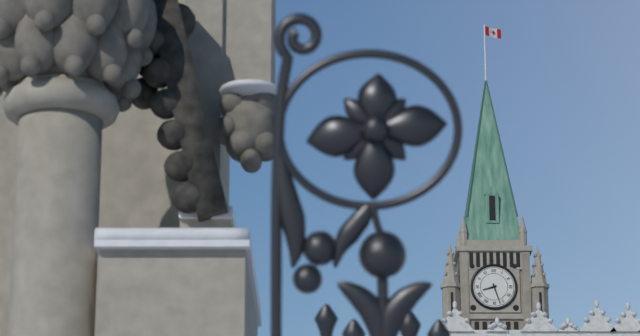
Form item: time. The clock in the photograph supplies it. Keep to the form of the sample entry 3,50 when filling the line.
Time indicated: 8,27
